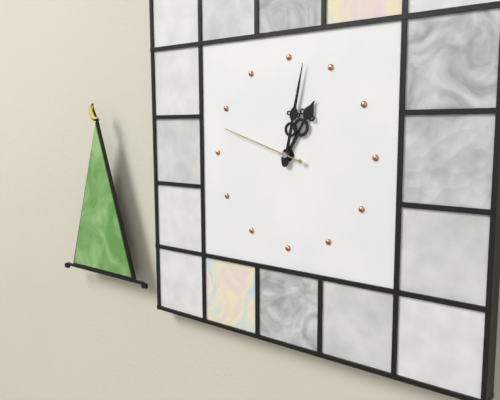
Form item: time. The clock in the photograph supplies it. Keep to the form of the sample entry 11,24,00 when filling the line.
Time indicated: 1,02,48
